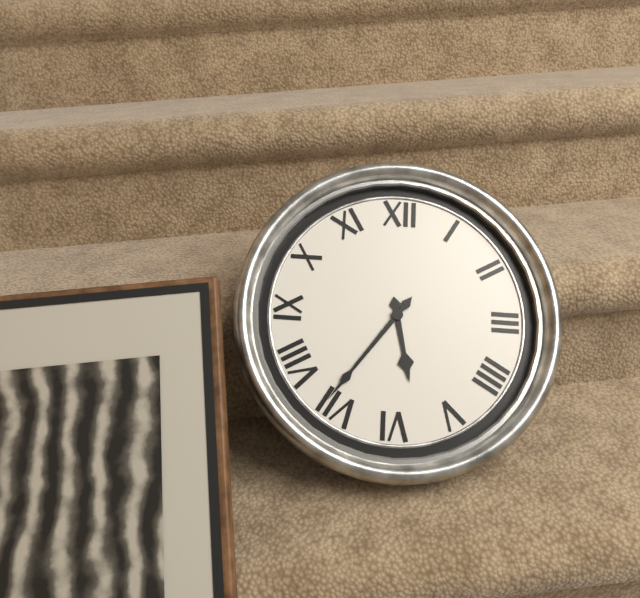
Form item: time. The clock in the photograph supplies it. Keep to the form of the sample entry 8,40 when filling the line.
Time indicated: 5,36
